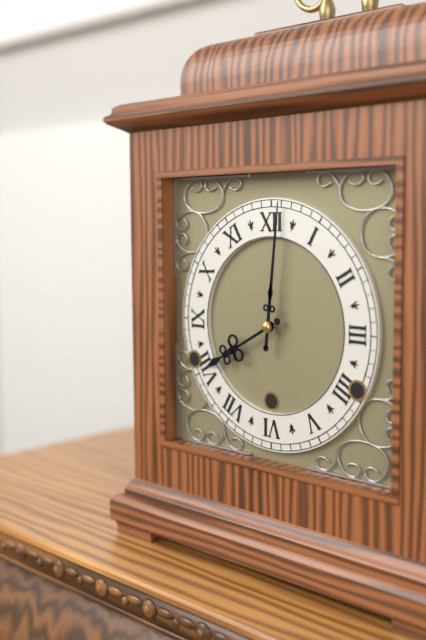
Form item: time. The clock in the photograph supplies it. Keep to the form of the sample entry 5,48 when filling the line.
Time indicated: 8,01
